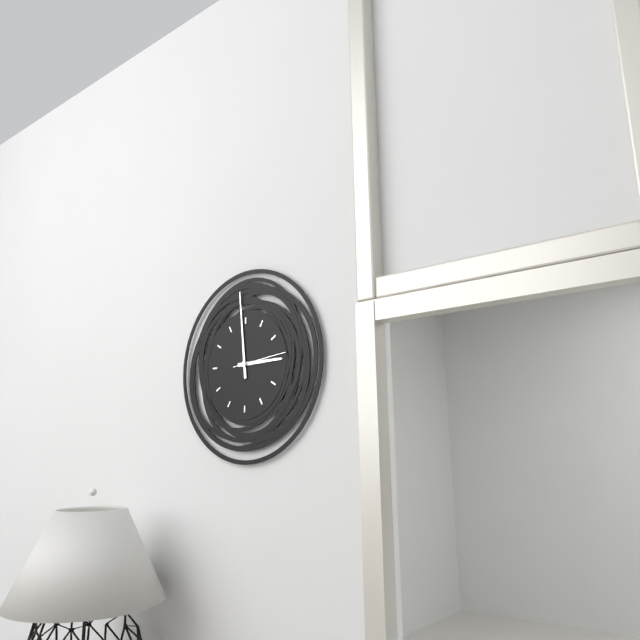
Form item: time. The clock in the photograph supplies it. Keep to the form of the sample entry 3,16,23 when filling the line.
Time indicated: 2,59,14
